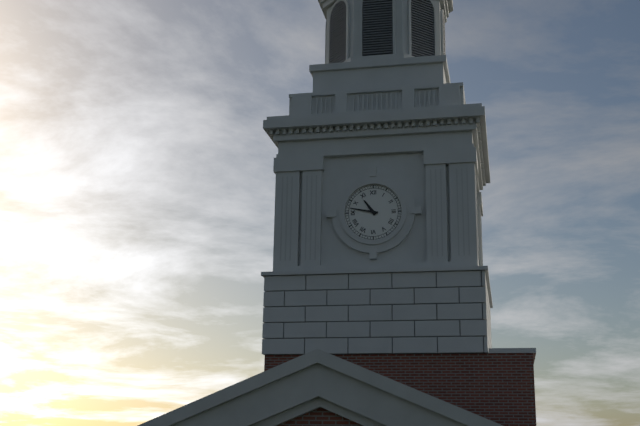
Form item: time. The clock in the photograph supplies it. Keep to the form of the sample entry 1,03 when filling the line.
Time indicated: 10,47
